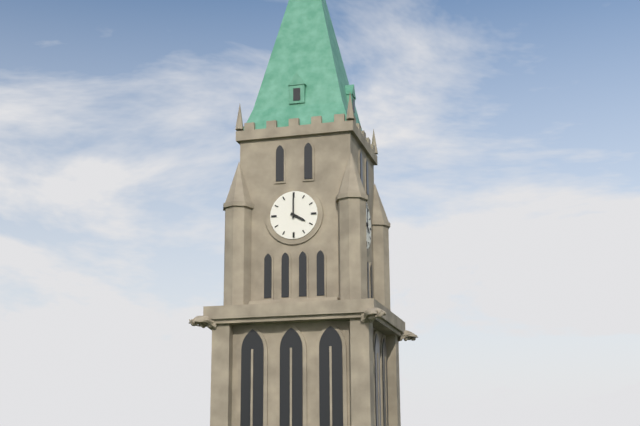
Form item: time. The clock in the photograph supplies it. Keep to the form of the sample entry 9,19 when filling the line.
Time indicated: 4,00
